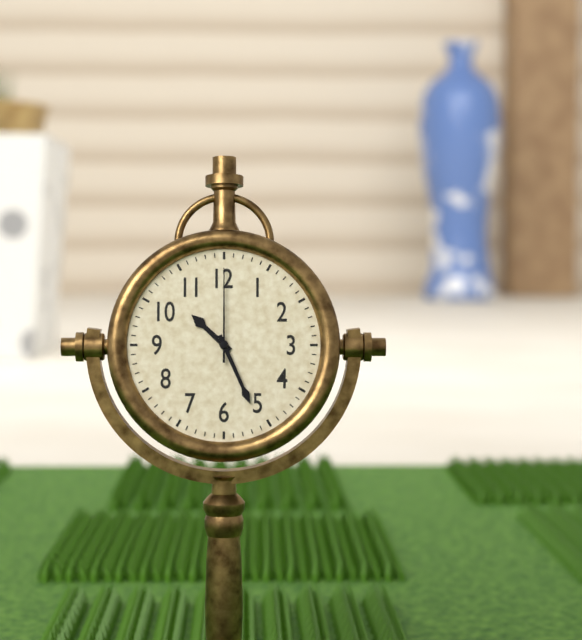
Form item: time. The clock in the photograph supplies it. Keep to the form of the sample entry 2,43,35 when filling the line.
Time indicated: 10,26,00
